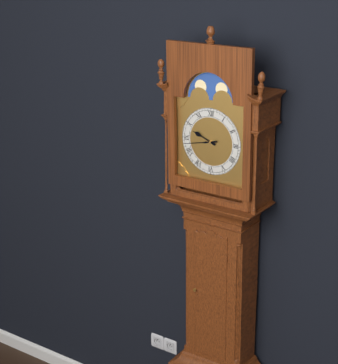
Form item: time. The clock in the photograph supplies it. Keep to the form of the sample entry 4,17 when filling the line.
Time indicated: 9,43
